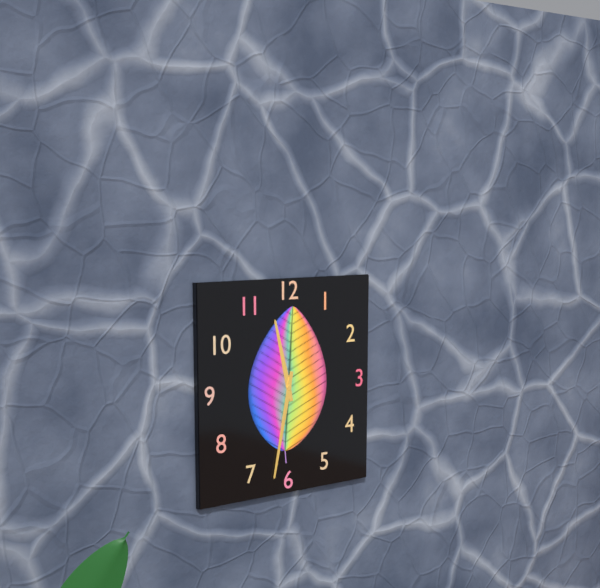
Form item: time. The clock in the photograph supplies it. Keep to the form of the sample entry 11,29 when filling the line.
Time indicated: 11,32
